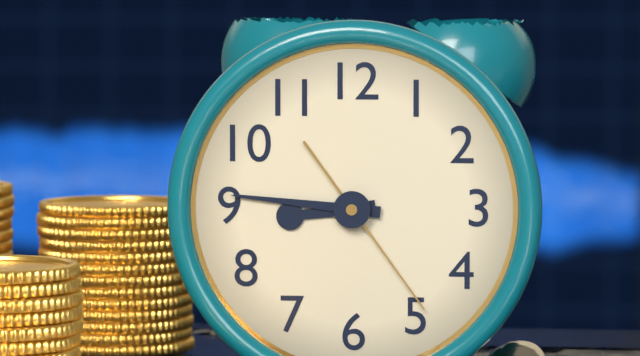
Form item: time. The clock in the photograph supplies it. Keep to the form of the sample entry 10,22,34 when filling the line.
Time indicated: 8,46,24
